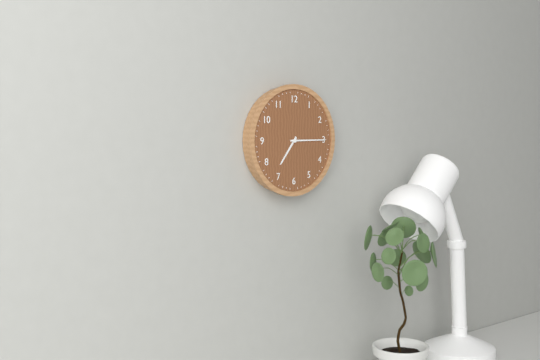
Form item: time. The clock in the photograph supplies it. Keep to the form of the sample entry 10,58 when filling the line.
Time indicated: 7,15
